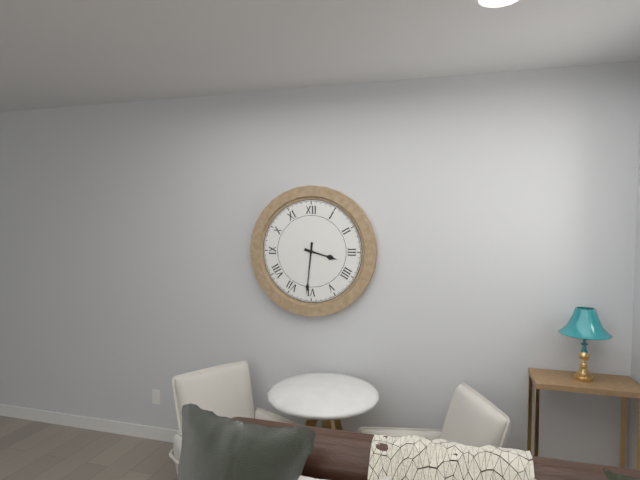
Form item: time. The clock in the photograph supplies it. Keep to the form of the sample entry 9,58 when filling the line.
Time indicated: 3,31
